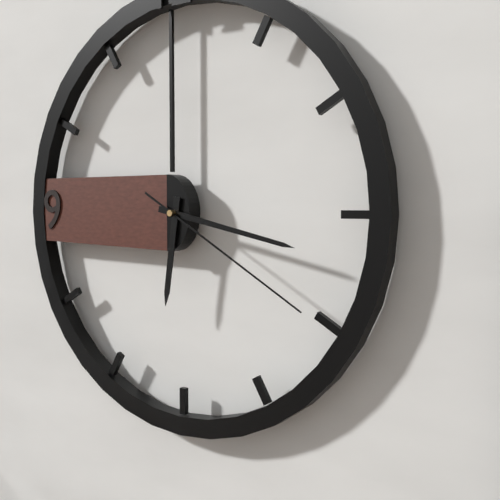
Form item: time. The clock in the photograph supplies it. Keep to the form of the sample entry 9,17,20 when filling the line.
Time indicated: 6,17,20
